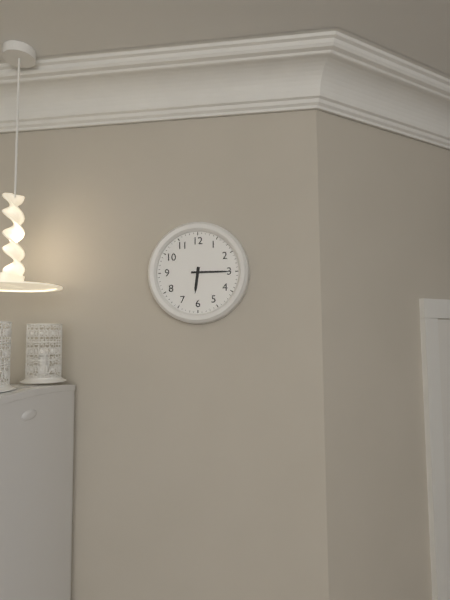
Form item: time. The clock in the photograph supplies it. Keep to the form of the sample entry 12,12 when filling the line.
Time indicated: 6,15
